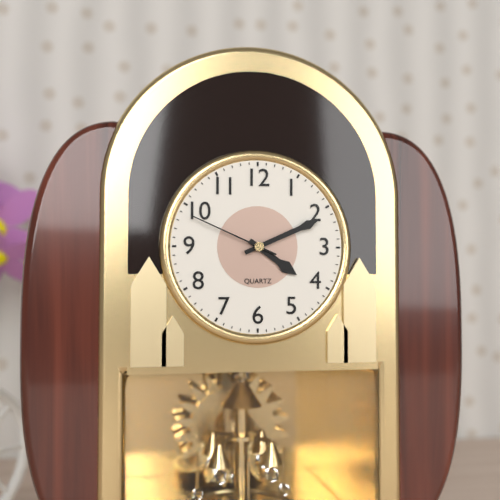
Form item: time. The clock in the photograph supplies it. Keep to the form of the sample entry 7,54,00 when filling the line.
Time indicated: 4,11,49
